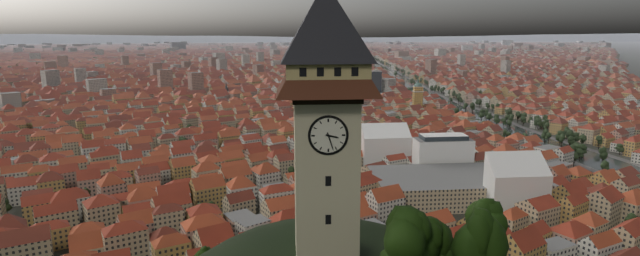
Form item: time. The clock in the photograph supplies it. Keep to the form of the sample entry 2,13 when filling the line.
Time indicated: 3,27
